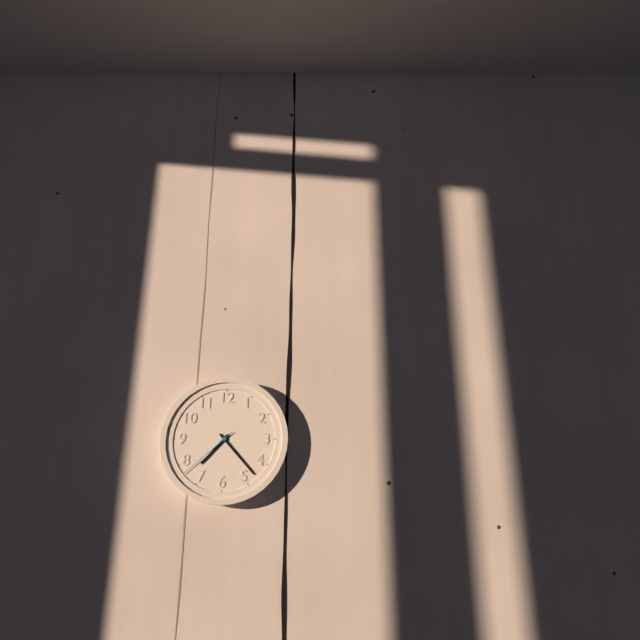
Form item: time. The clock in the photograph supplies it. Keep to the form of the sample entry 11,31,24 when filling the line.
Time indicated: 7,23,38
